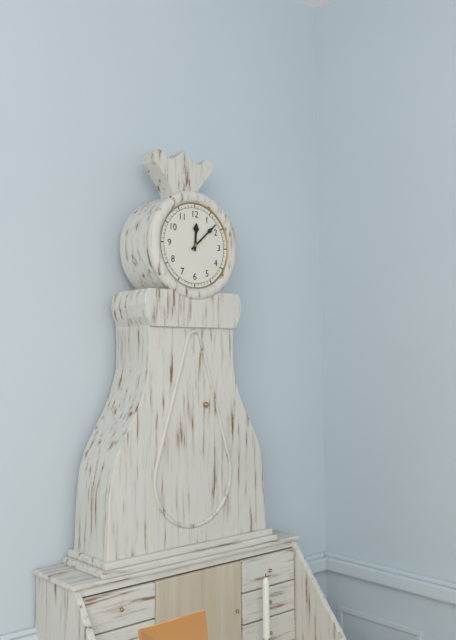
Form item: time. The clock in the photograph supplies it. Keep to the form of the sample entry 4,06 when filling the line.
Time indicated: 12,08
